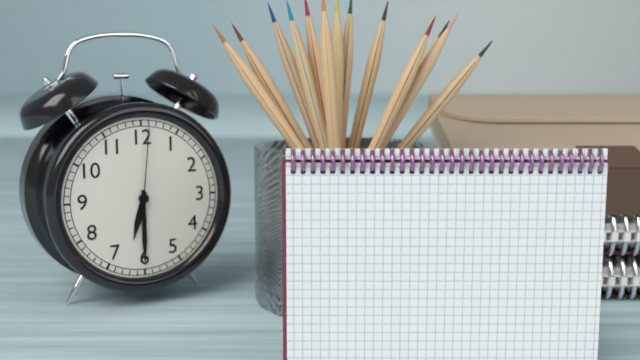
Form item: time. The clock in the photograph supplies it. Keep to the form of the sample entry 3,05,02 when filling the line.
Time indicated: 6,30,01
